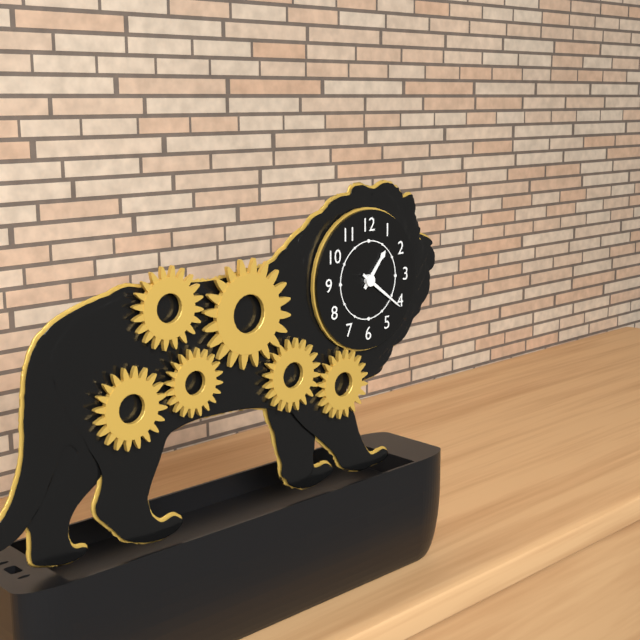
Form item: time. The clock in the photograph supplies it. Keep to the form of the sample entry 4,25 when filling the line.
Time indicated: 1,21
